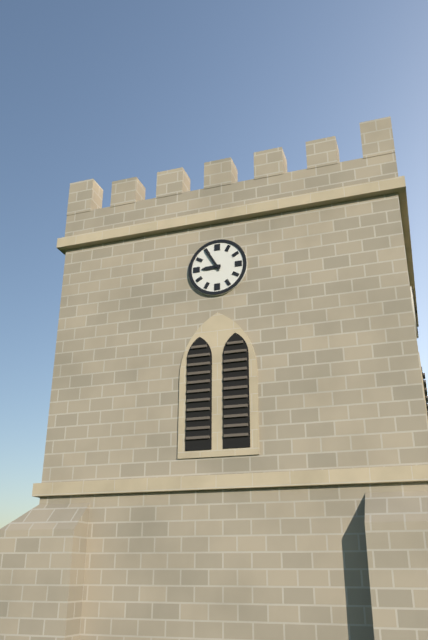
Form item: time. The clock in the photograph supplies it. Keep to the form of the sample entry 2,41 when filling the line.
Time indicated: 8,55
